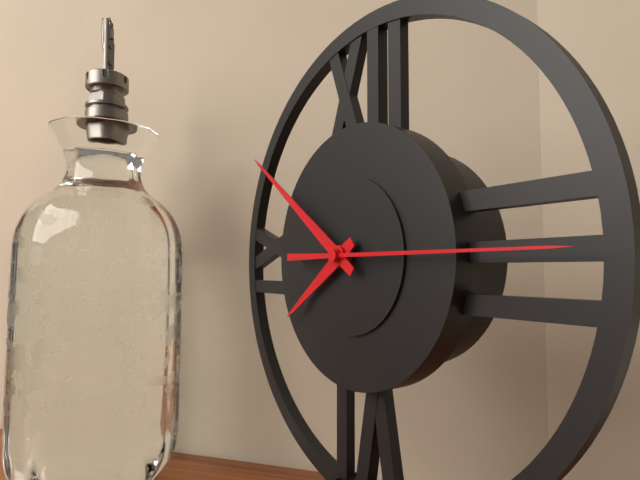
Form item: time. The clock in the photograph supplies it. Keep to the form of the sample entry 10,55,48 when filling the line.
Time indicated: 7,51,15
